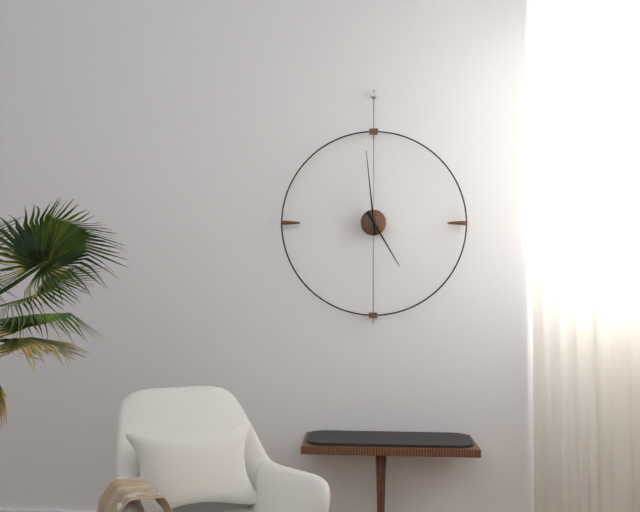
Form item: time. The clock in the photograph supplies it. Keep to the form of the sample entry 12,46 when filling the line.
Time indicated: 4,59
